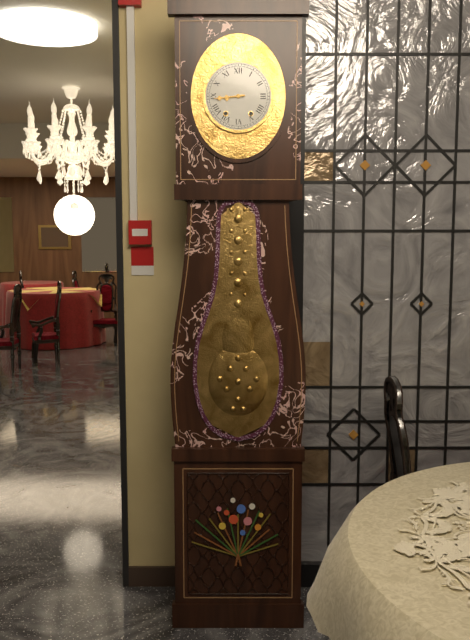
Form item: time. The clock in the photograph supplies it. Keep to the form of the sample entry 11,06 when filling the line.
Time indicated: 8,44
